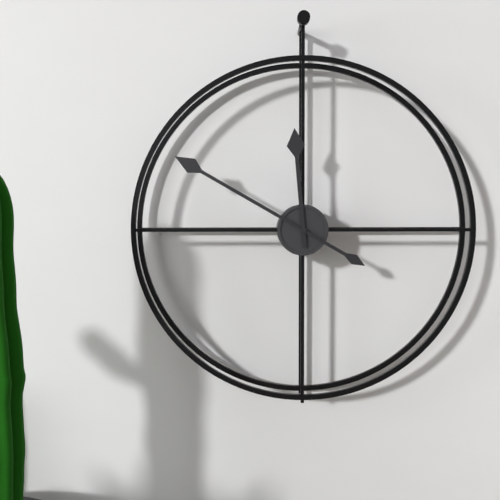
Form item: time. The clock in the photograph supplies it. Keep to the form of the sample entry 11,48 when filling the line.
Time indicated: 11,50
